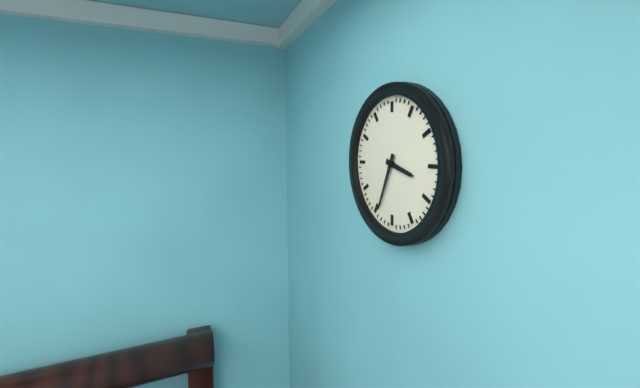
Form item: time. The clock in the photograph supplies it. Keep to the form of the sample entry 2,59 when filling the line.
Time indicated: 3,34
